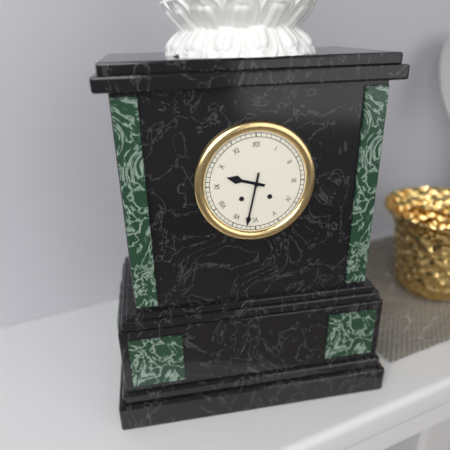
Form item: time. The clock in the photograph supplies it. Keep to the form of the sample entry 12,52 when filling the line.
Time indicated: 9,32
